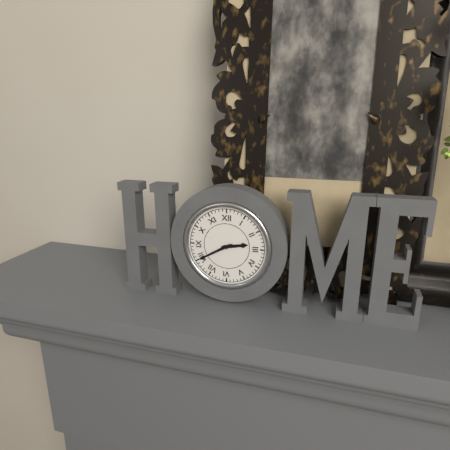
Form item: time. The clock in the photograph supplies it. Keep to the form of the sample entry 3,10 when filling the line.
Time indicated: 2,40
